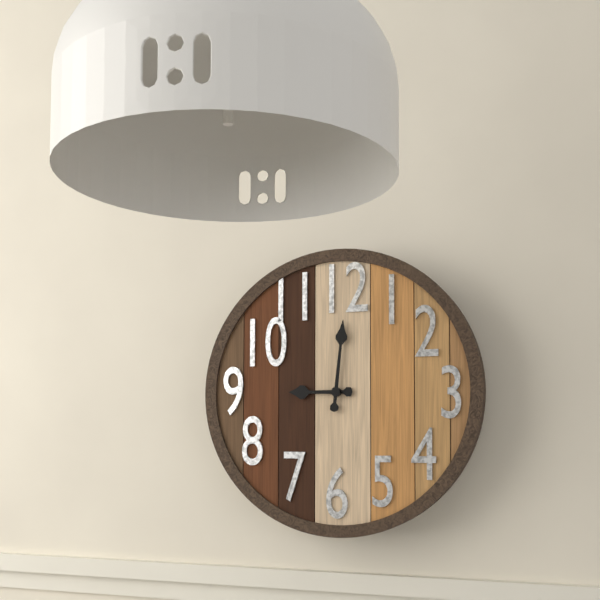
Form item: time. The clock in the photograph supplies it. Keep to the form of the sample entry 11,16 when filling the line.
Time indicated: 9,01
